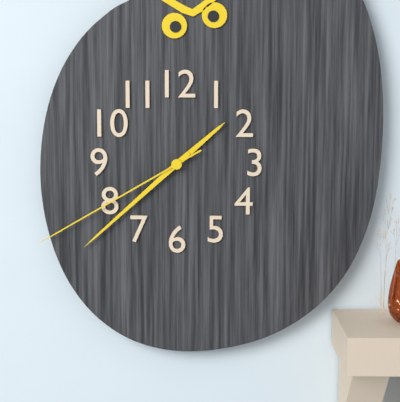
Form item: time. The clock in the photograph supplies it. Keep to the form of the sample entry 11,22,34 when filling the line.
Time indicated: 1,38,40
